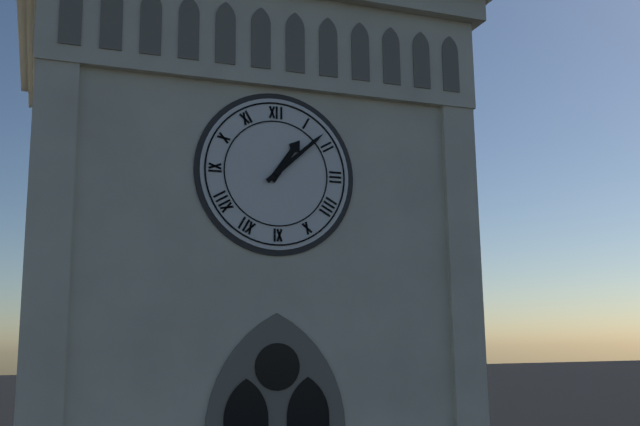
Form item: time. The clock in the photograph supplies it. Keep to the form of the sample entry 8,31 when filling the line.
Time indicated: 1,08
